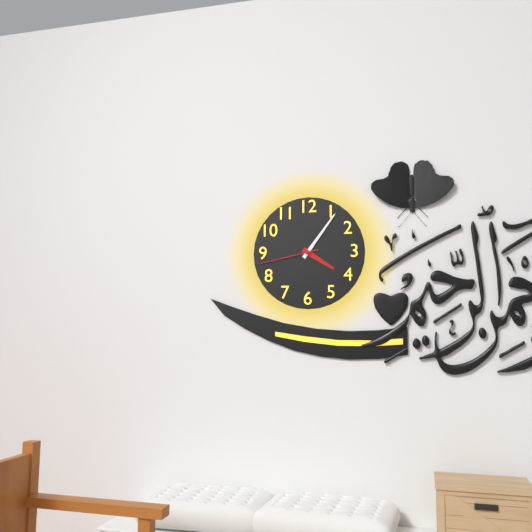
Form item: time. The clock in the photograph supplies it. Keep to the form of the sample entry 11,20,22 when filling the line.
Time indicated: 4,06,43
